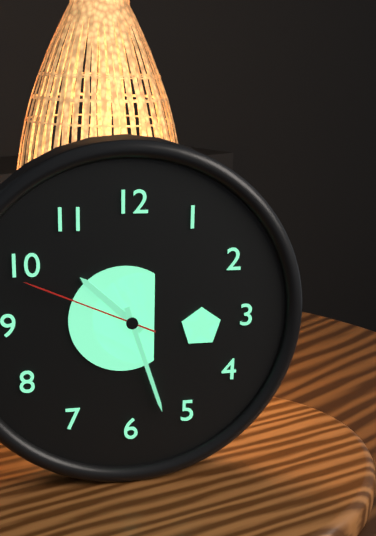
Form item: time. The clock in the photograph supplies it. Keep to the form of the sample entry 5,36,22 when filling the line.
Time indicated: 10,27,49
